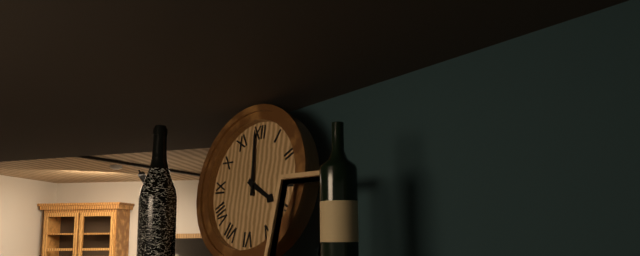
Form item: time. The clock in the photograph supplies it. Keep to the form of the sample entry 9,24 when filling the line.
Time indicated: 3,59
